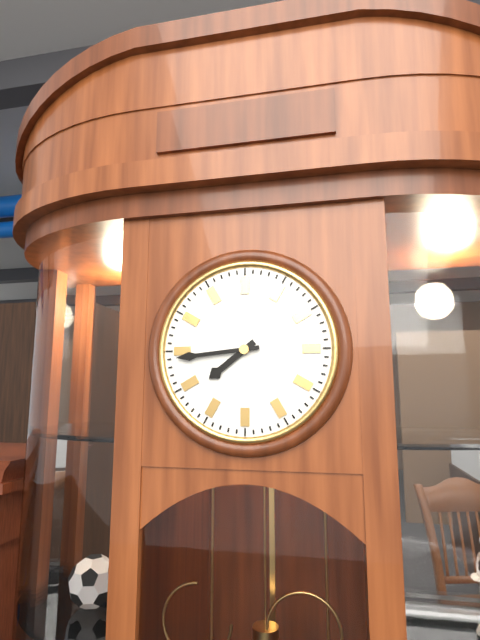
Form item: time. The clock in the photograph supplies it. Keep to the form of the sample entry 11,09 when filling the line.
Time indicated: 7,44
